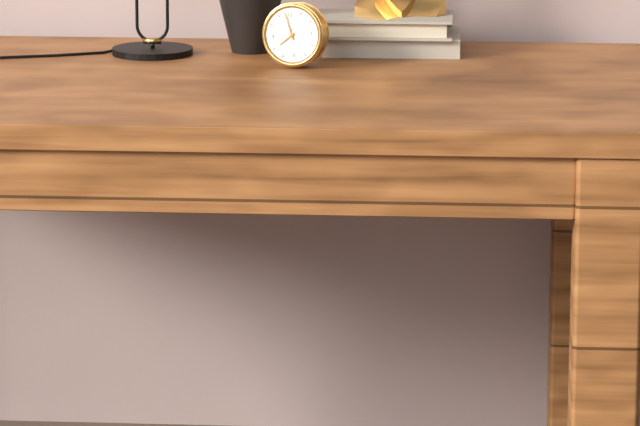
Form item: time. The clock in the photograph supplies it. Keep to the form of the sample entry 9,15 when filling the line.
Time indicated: 7,58
